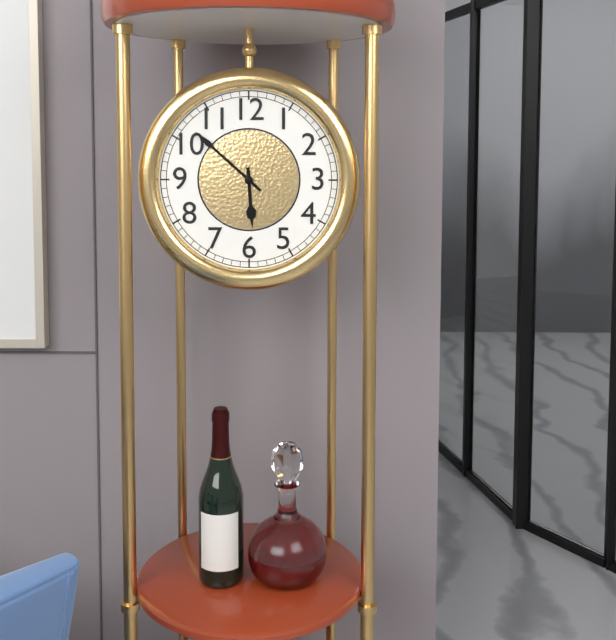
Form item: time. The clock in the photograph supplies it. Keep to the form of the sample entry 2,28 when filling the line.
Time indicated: 5,52
